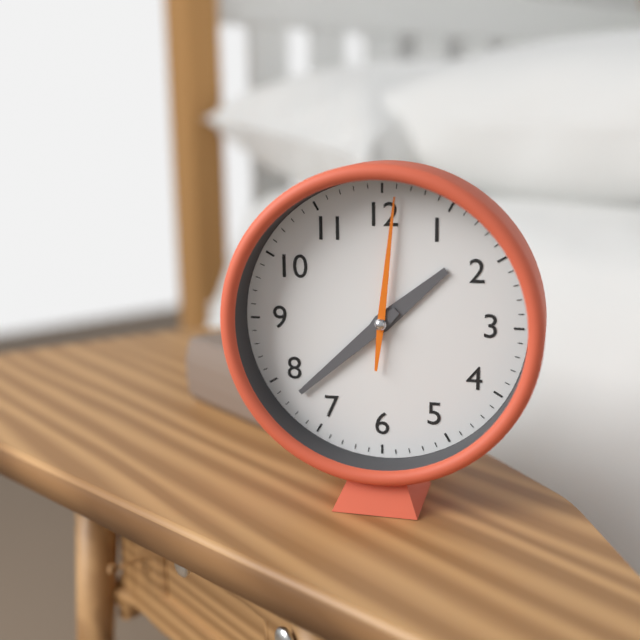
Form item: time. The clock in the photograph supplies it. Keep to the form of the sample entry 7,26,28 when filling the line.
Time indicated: 1,38,01
